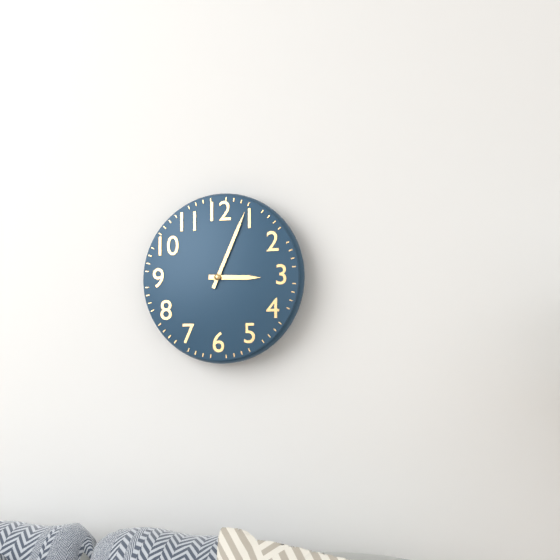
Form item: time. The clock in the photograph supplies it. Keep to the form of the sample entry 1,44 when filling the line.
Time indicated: 3,04
